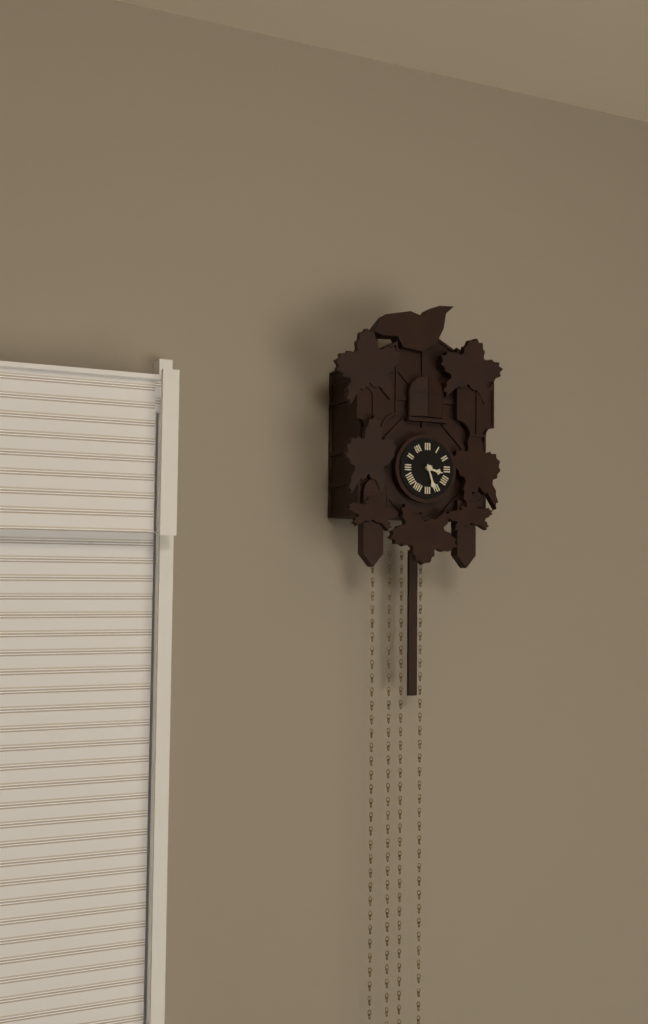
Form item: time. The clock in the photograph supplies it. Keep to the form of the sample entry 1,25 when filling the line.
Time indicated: 3,27
